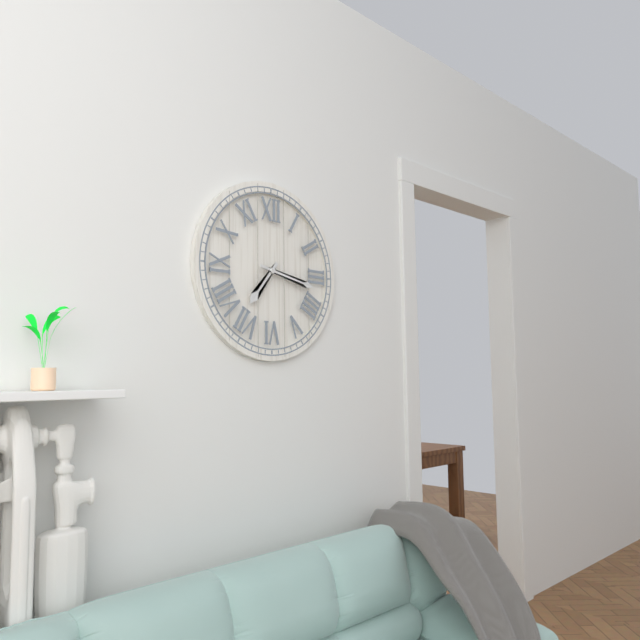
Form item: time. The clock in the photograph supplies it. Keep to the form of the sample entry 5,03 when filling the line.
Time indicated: 7,17
